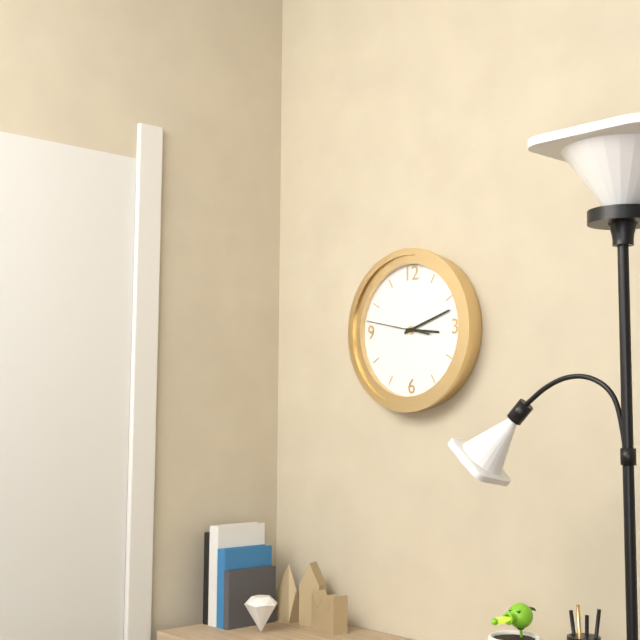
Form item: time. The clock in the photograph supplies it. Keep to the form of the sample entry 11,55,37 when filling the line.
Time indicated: 3,12,47
